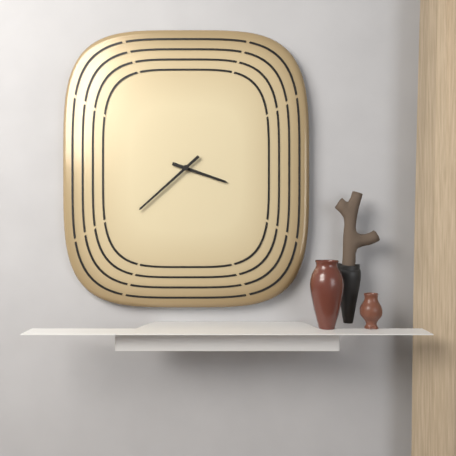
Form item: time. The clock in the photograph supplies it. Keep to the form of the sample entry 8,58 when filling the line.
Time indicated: 3,38
